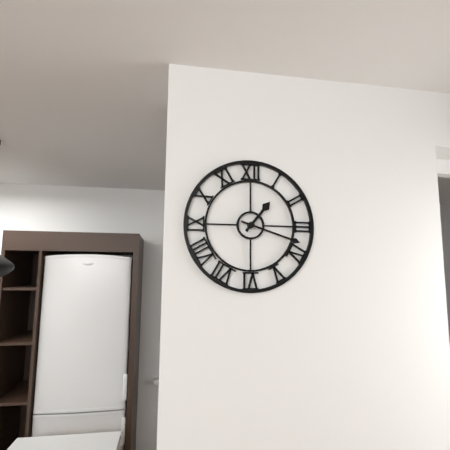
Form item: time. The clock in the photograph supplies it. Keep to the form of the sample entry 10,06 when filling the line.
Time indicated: 1,18
